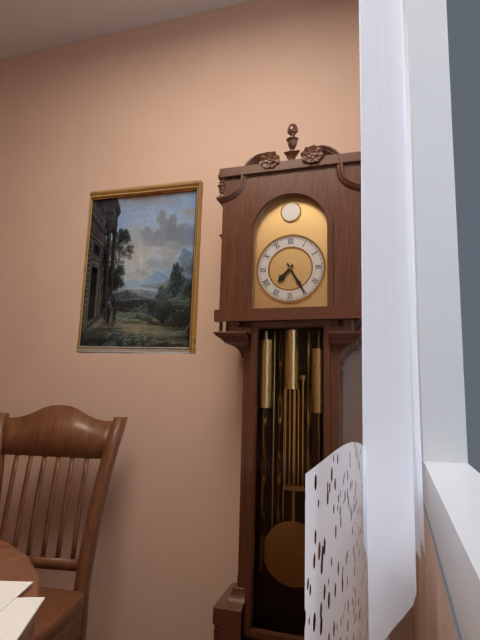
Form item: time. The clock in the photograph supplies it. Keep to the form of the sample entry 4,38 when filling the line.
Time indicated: 7,25
